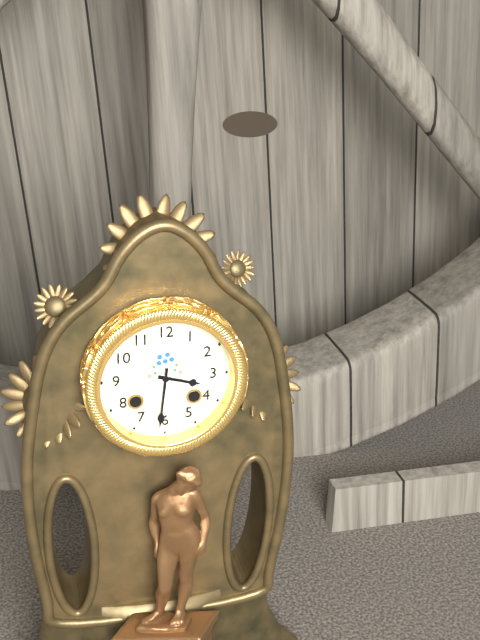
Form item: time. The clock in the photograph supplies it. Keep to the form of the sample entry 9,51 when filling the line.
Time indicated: 3,31
